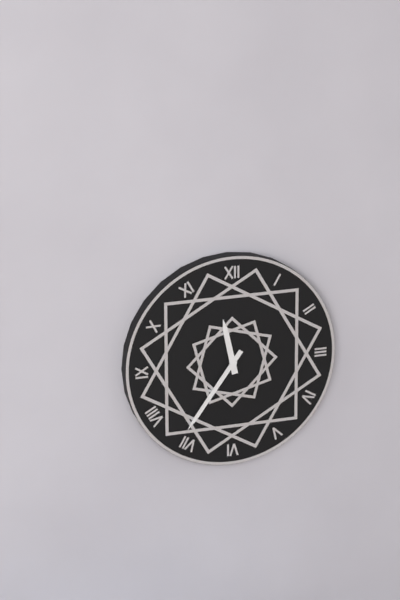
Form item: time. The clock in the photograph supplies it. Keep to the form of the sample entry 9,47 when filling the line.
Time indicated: 11,36
